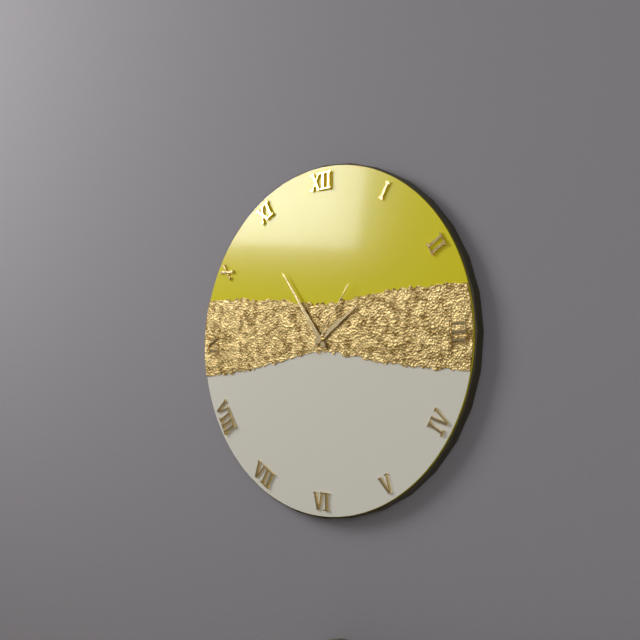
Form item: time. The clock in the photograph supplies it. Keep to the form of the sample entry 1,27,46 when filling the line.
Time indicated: 1,54,06
